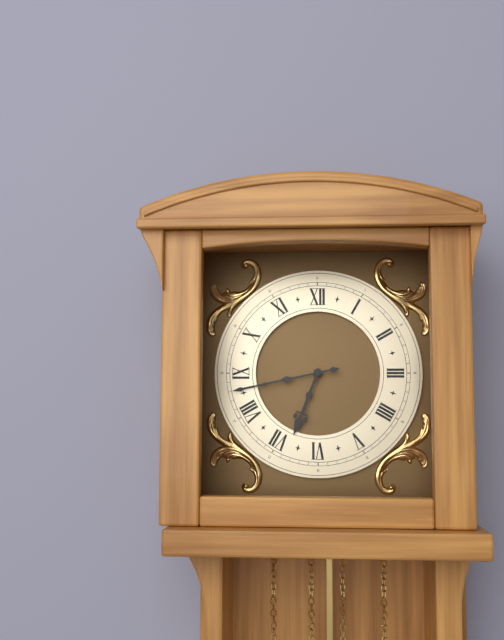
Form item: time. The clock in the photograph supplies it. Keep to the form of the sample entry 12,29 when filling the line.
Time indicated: 6,43
